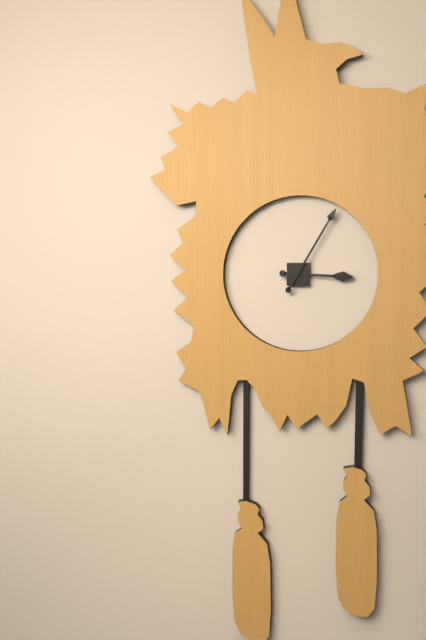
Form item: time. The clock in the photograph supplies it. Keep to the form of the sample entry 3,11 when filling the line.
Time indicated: 3,05
